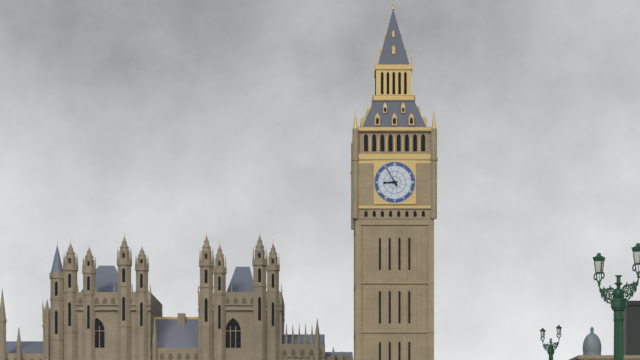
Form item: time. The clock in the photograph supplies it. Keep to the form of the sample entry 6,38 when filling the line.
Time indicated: 8,55
